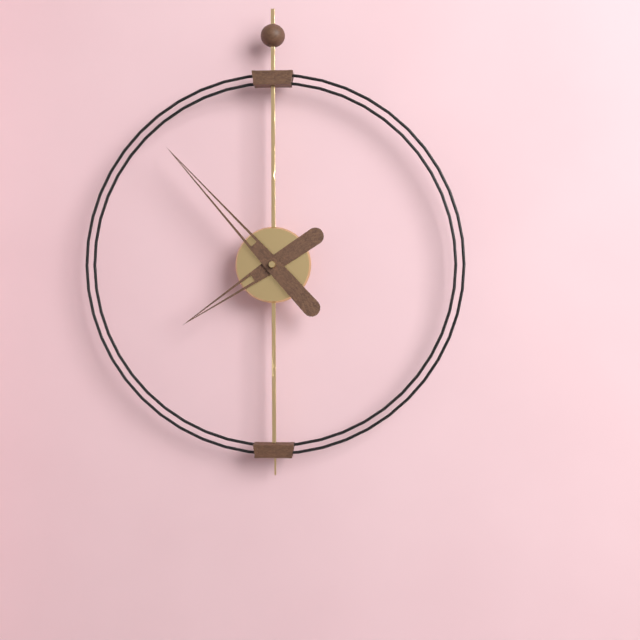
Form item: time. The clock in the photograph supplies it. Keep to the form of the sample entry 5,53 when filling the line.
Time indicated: 7,53
